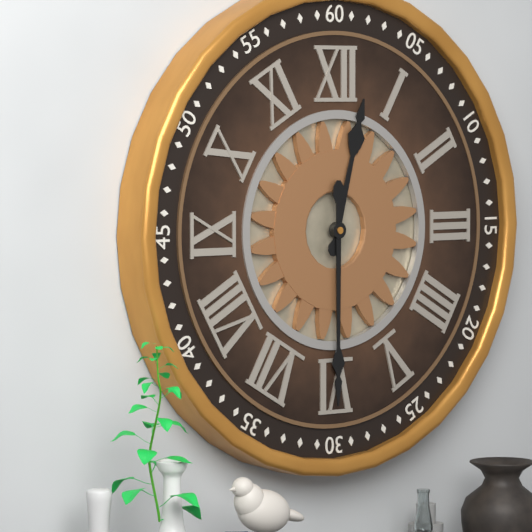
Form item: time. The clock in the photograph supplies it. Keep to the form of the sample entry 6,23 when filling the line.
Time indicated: 12,30
